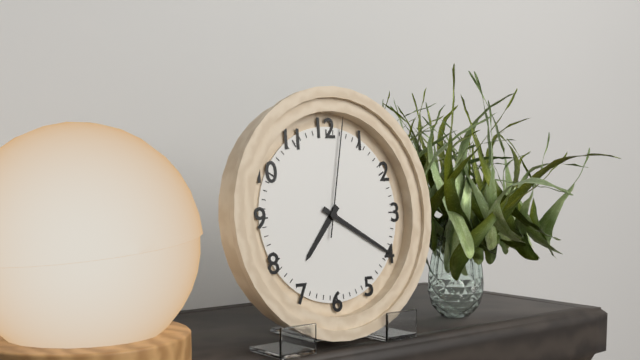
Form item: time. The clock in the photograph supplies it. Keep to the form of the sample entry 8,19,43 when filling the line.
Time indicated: 7,20,02
